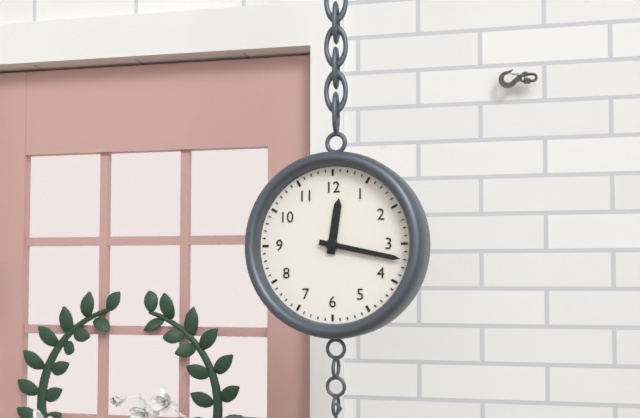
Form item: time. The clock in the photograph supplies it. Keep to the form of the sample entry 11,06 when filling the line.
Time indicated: 12,17
